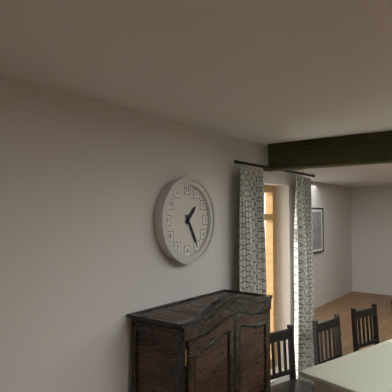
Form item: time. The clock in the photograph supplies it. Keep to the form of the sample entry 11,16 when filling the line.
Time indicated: 1,25
